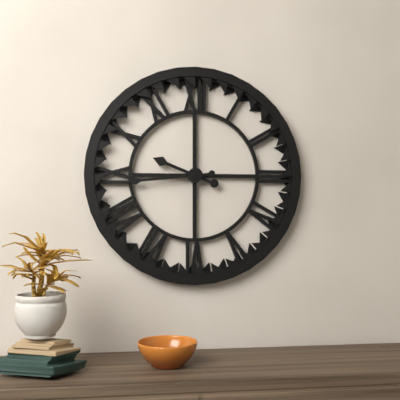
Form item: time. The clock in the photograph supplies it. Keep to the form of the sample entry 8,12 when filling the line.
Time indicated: 9,44
